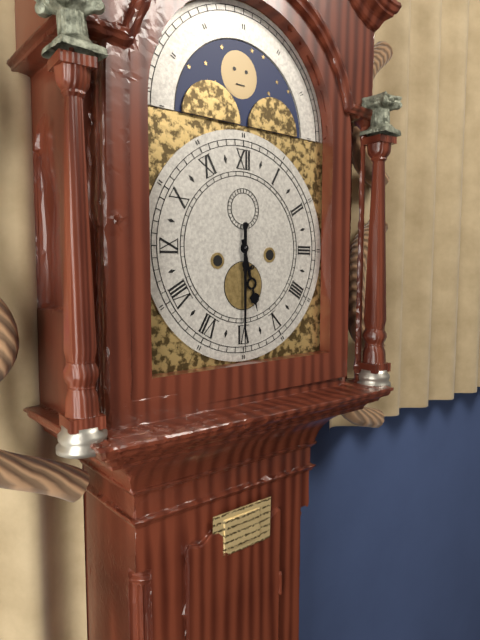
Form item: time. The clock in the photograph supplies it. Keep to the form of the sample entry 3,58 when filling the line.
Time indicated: 5,30
